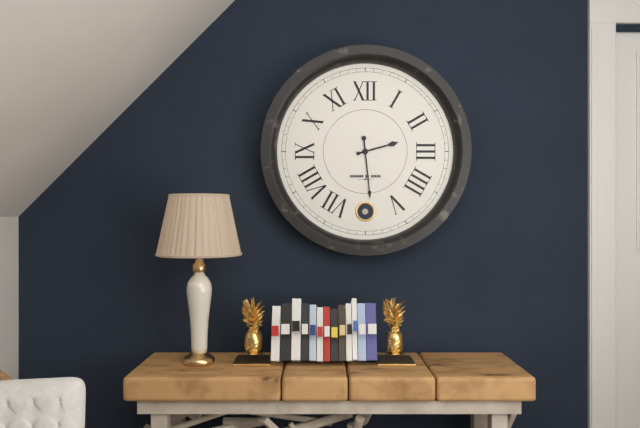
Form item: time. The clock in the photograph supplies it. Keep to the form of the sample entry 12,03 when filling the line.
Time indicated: 2,29
